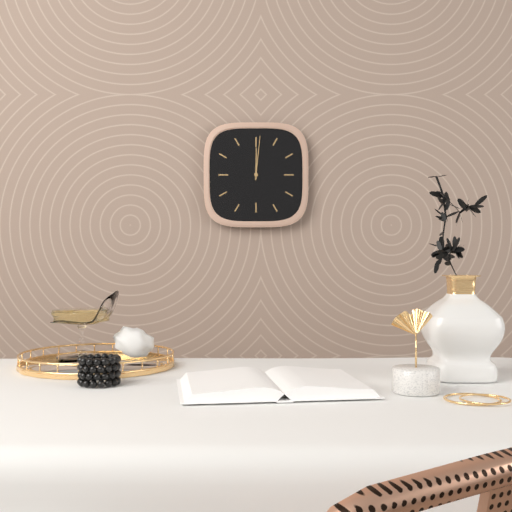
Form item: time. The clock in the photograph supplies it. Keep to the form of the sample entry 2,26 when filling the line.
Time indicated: 12,01
